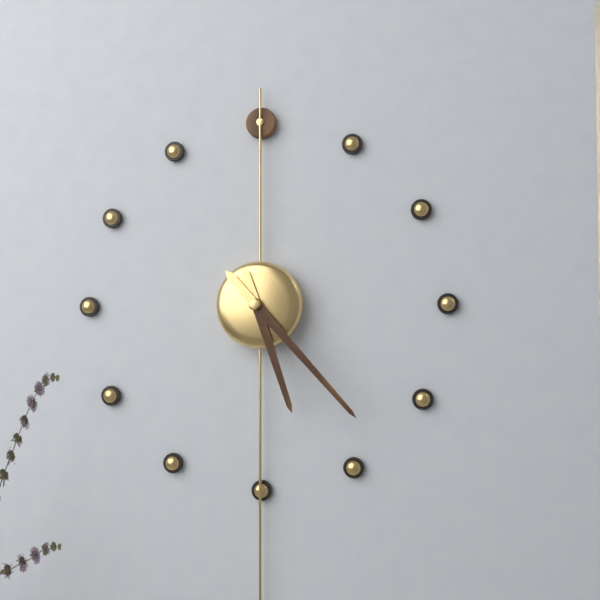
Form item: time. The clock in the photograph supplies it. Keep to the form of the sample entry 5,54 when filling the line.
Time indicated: 5,23
